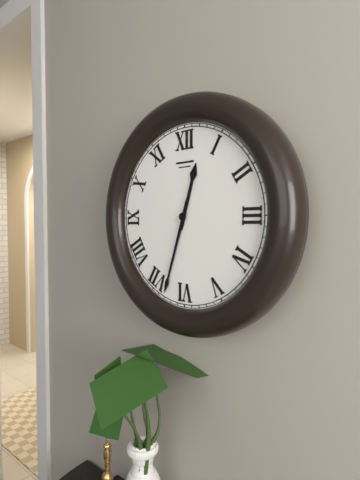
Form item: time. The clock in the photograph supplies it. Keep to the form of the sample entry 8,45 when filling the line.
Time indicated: 12,33
